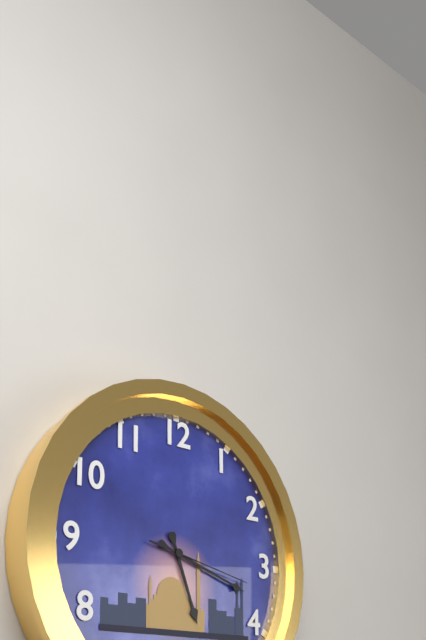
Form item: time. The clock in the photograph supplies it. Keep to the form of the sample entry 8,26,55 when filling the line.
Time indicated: 5,18,17
